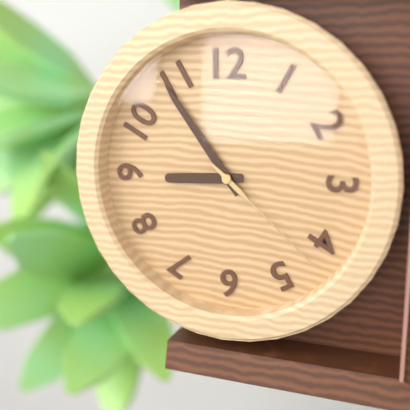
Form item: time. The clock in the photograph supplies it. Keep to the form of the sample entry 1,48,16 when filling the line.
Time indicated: 8,54,22
